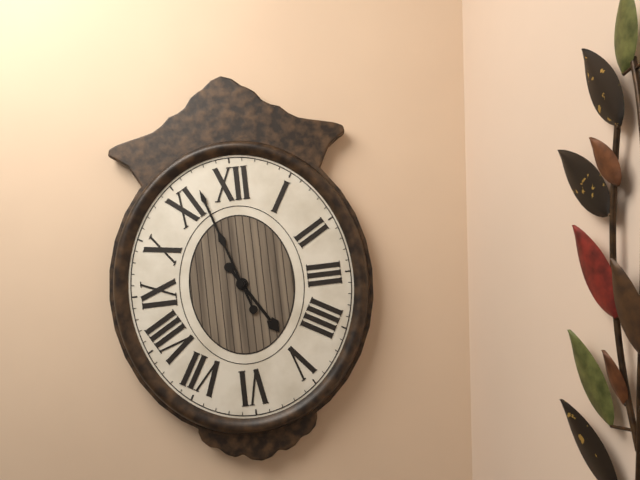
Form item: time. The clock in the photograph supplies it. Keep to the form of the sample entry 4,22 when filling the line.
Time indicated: 4,57
